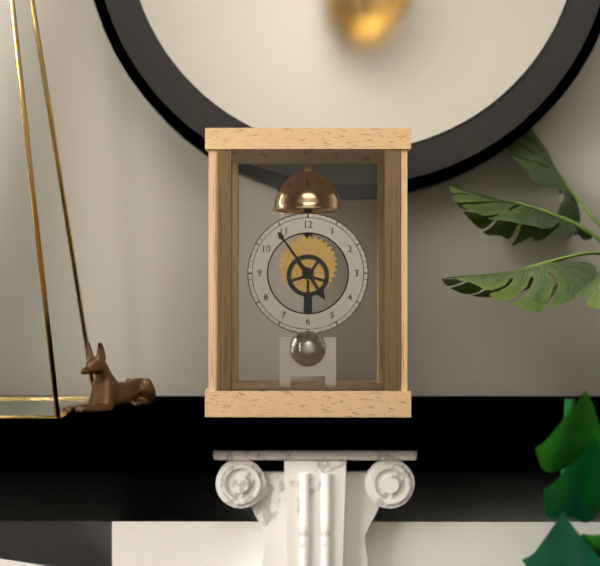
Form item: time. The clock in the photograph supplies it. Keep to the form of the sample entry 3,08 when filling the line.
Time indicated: 4,54
